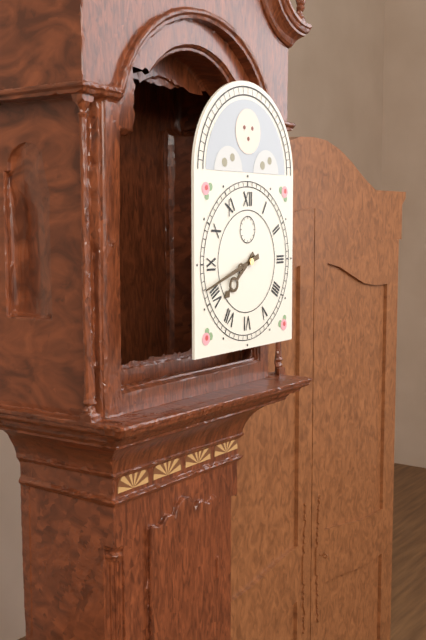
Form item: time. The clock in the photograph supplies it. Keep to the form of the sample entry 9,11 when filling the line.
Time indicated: 7,42
